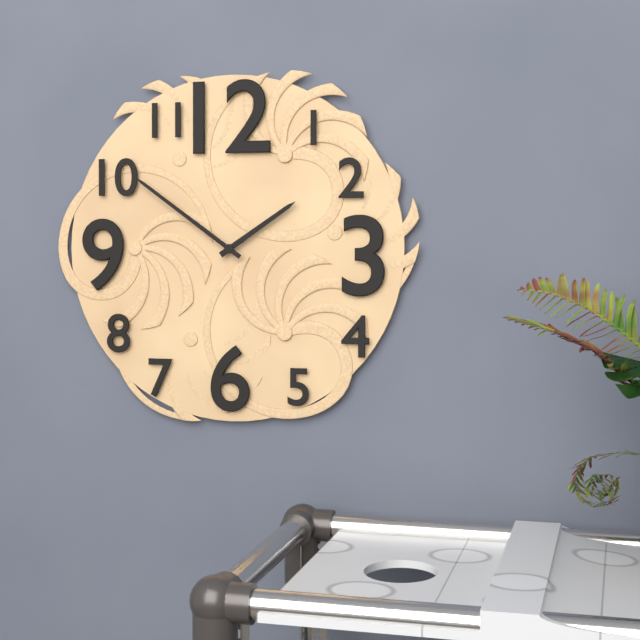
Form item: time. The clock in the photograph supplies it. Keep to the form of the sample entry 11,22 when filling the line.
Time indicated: 1,51
